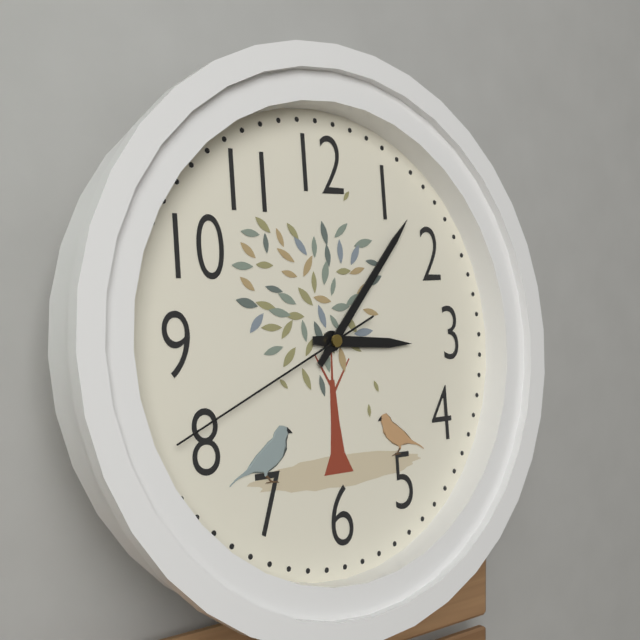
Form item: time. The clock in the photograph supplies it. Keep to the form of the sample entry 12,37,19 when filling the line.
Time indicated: 3,07,41
